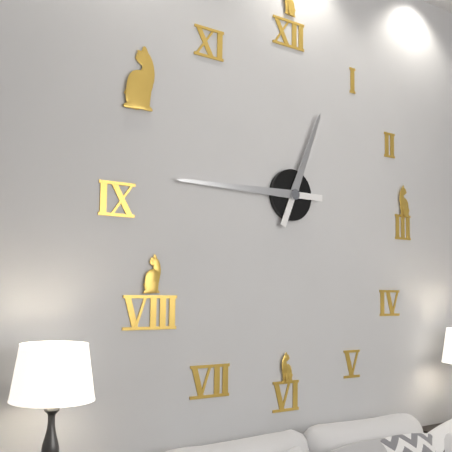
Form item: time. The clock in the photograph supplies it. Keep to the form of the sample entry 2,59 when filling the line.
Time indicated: 12,45
